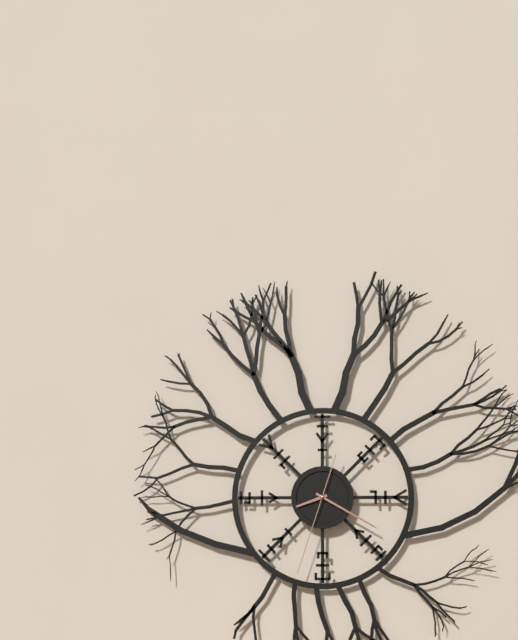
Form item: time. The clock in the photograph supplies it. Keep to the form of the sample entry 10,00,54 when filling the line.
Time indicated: 8,20,33
